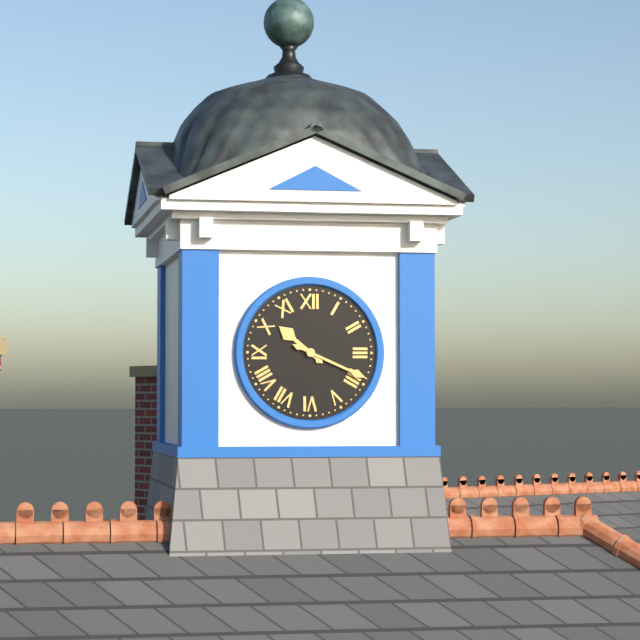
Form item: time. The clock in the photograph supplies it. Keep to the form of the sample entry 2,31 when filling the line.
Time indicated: 10,19
